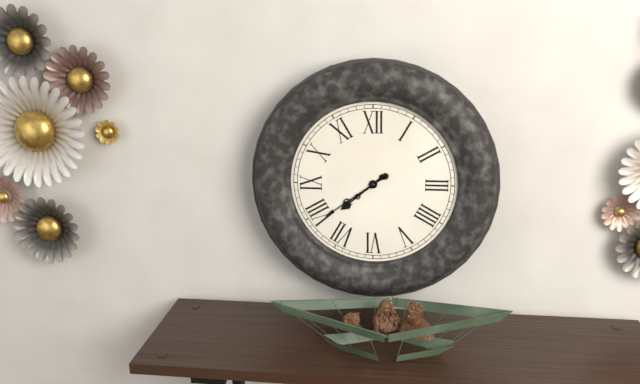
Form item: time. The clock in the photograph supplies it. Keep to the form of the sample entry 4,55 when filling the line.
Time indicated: 7,39
